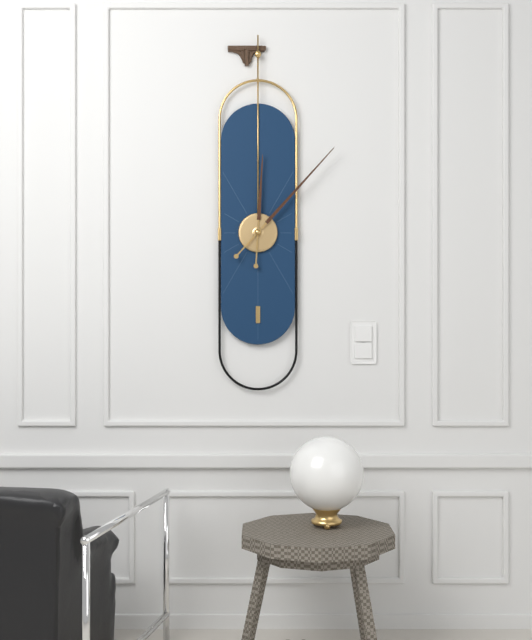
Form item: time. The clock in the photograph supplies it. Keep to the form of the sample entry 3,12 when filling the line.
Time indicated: 12,07
